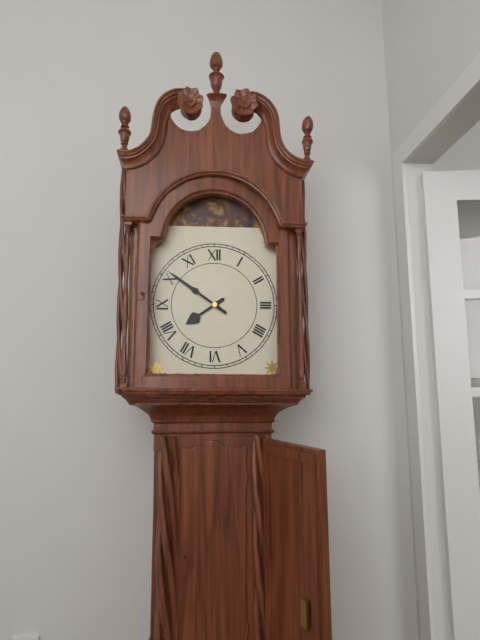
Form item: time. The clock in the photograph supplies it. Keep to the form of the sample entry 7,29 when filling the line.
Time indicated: 7,51
